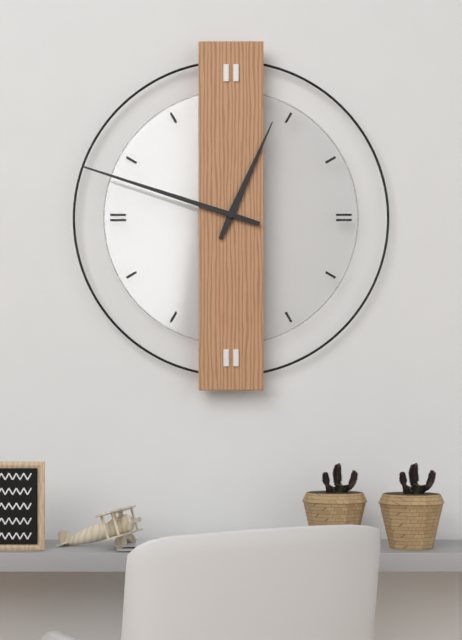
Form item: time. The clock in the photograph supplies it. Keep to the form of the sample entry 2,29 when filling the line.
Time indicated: 12,48
